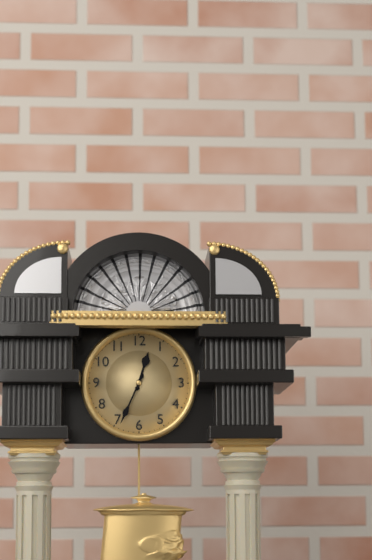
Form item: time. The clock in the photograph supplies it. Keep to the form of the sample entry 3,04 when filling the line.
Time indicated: 12,34
